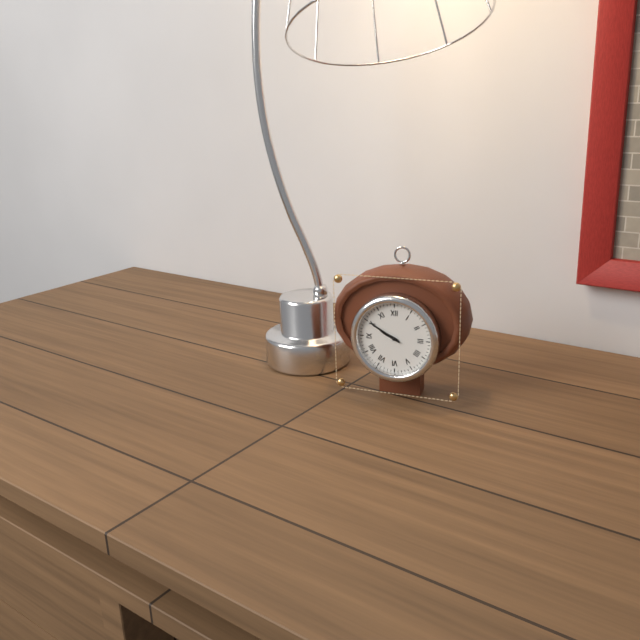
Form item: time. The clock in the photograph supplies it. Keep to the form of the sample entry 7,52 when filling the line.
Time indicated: 9,50
